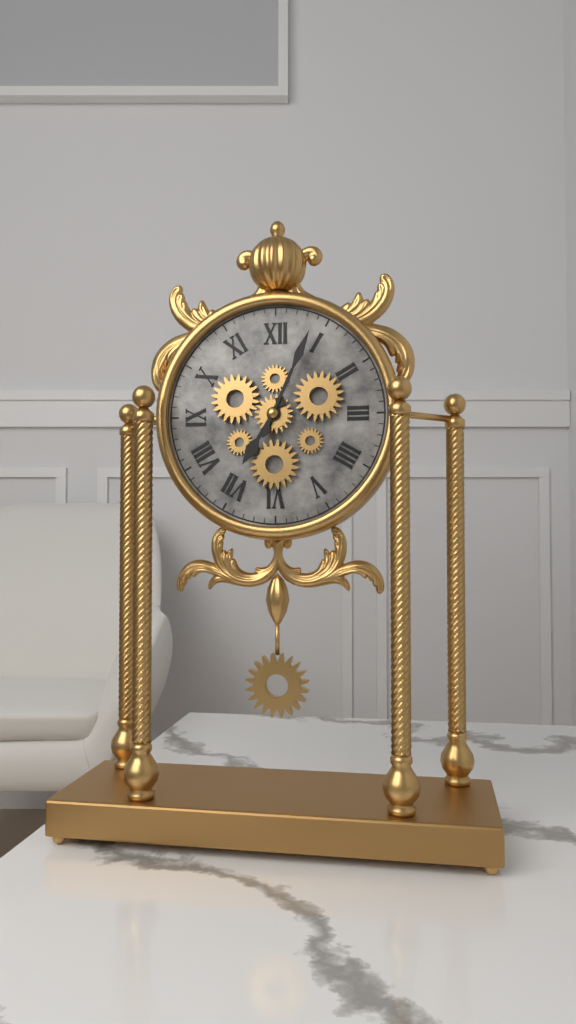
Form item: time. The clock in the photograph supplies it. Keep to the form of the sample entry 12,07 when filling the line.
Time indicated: 7,04
